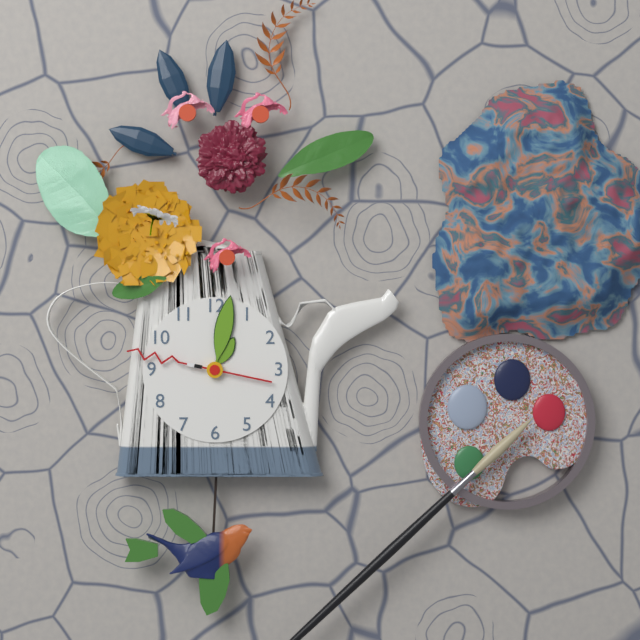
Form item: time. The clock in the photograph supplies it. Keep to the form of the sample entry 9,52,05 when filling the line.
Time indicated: 1,02,47
